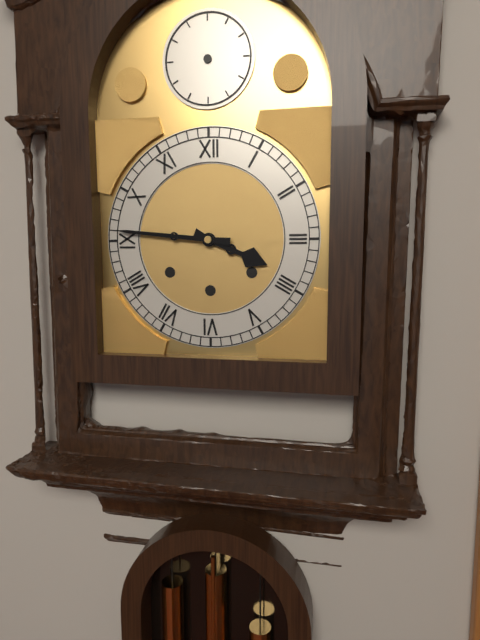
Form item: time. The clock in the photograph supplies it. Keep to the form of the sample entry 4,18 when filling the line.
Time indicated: 3,46
